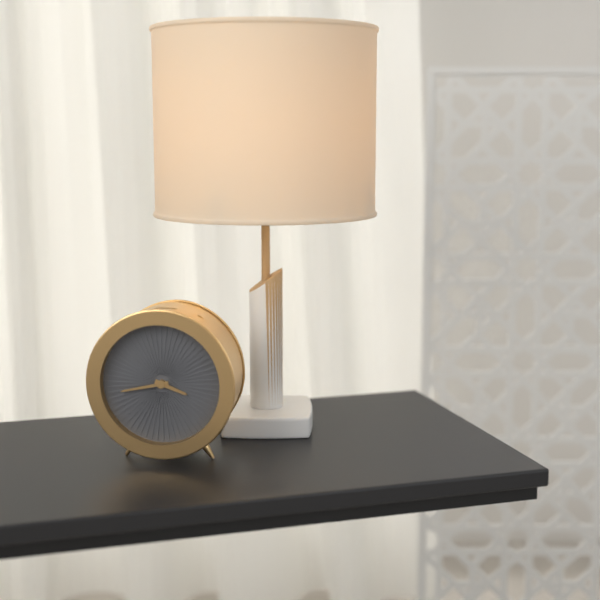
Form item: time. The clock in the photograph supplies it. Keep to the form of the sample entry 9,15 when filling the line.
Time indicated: 3,43
